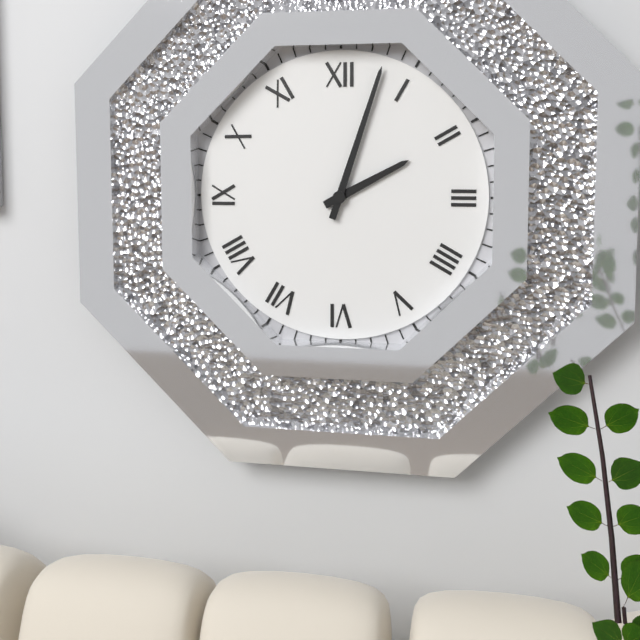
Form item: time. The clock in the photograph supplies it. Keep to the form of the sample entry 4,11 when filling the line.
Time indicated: 2,03
